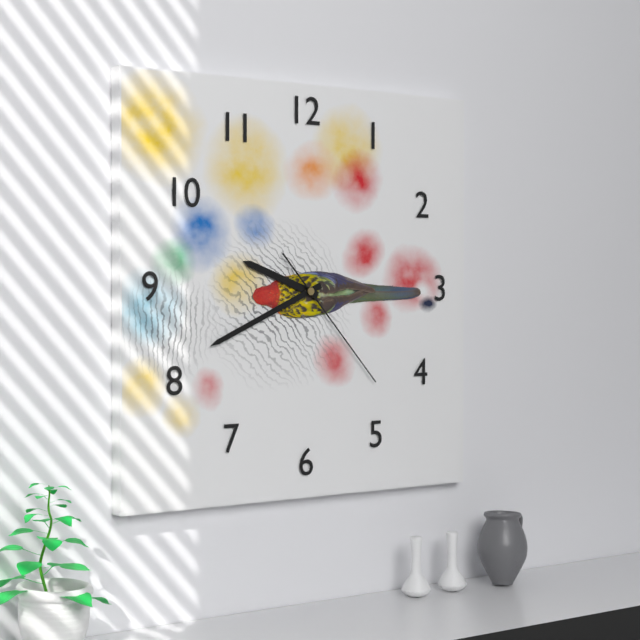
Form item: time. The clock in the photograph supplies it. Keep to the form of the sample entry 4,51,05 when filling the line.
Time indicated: 9,41,23
